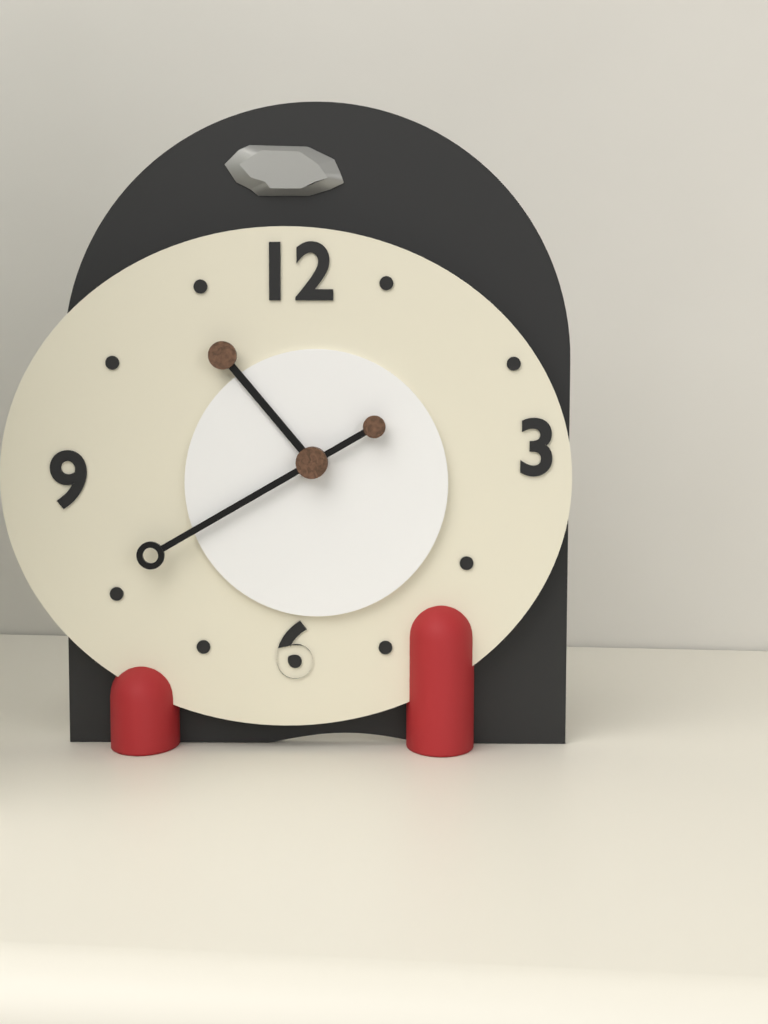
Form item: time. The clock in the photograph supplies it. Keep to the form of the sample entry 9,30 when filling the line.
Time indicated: 10,40
